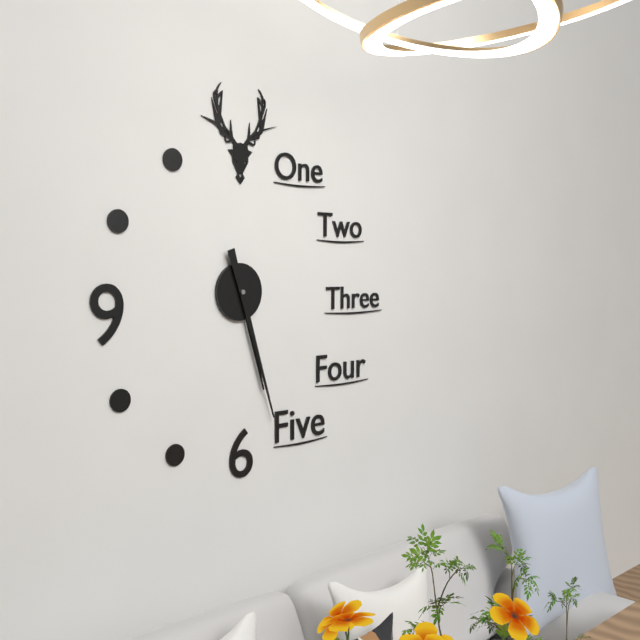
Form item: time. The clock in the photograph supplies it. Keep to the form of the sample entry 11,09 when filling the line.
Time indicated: 5,27
